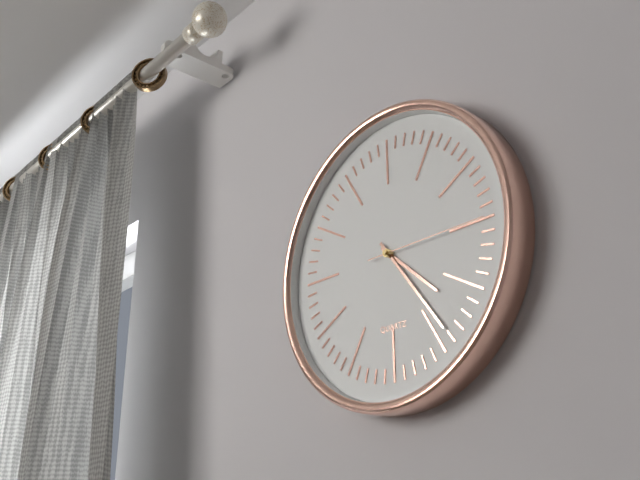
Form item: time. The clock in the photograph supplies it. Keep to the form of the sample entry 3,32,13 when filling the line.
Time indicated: 4,24,15
